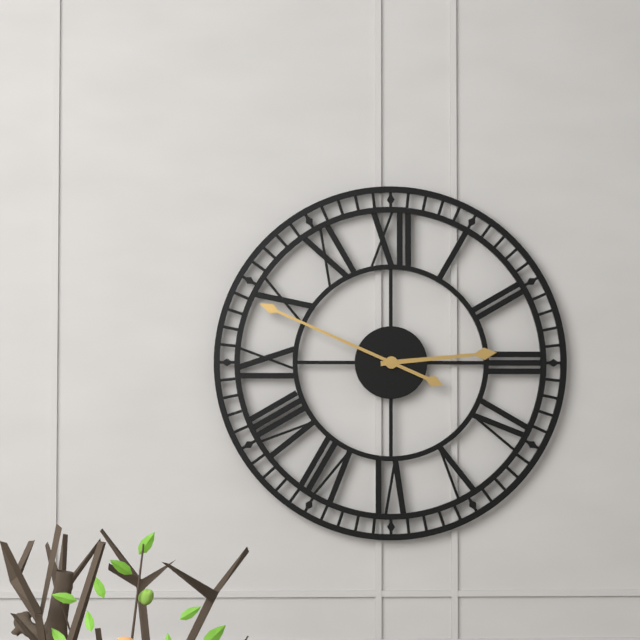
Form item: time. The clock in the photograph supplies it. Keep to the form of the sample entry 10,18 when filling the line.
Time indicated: 2,49
